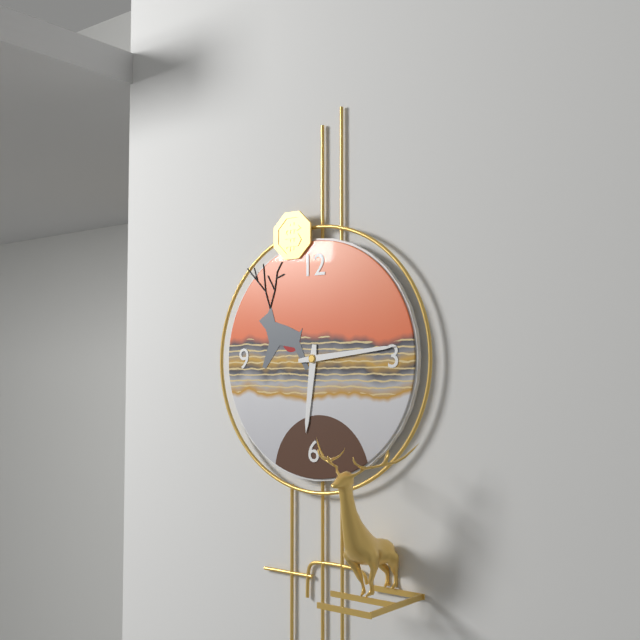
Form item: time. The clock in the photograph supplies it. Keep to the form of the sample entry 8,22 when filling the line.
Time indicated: 6,14
